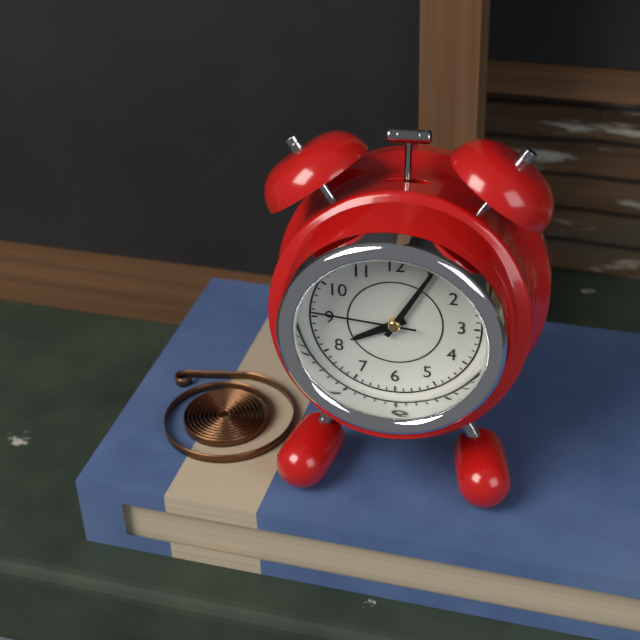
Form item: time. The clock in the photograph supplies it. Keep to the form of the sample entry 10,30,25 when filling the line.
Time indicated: 8,05,46
